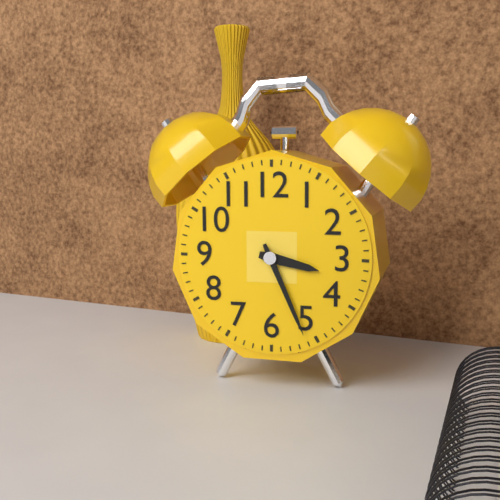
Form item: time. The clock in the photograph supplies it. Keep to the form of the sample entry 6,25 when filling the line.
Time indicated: 3,26
